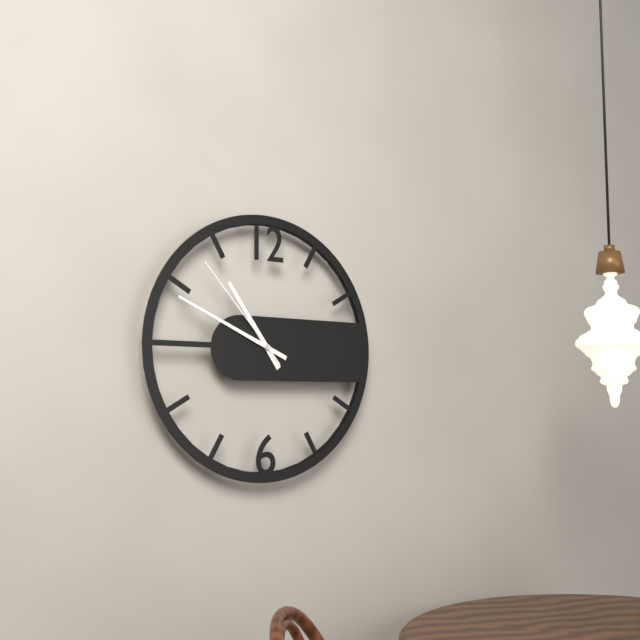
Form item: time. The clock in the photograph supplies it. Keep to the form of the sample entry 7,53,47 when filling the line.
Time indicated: 10,49,53
